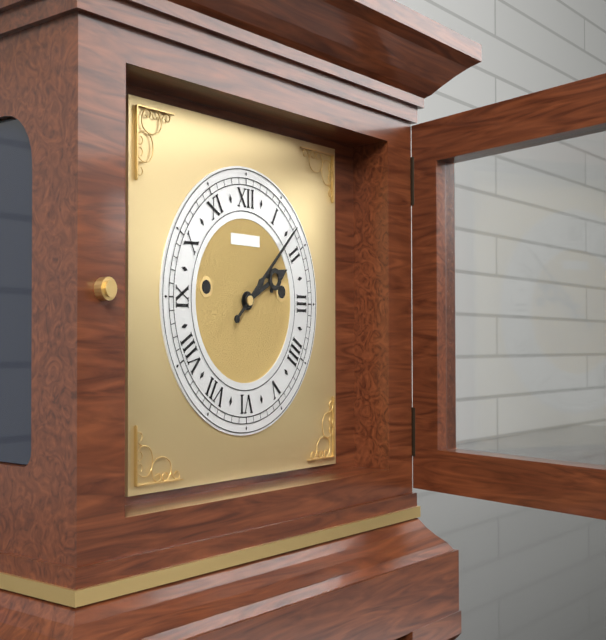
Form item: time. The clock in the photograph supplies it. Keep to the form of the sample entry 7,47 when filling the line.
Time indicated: 2,08
